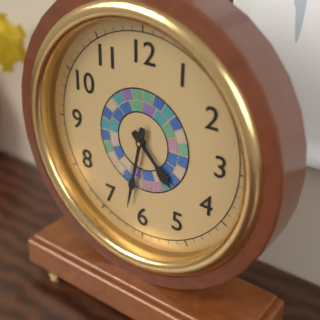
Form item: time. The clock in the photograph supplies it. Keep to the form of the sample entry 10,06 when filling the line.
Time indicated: 4,32
